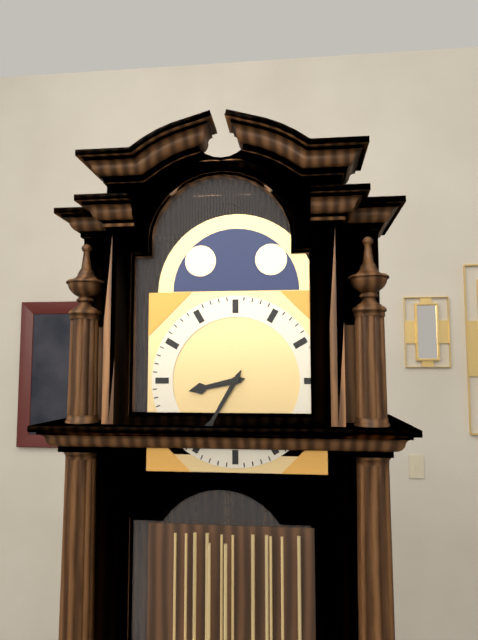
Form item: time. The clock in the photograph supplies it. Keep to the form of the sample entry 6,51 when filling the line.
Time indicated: 8,35
